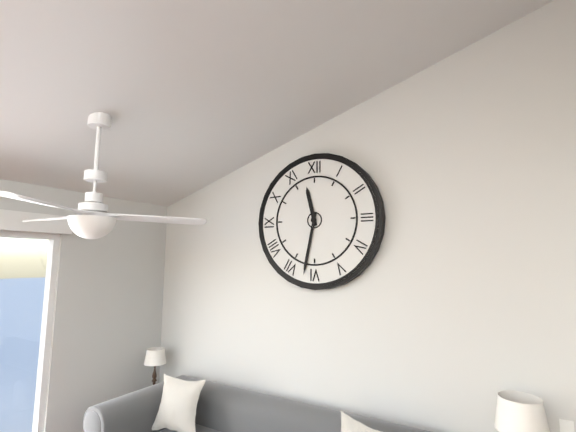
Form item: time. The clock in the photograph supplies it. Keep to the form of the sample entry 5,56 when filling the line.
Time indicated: 11,32
